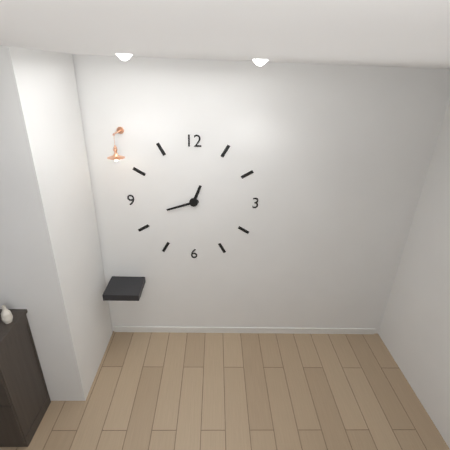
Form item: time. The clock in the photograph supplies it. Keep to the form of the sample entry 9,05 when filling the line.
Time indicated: 12,42
